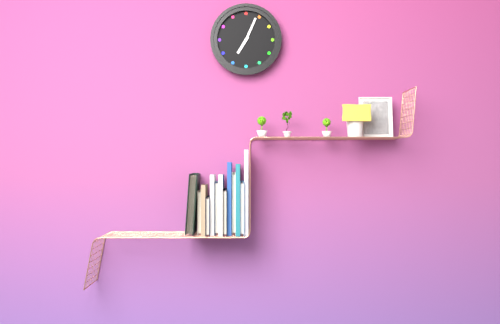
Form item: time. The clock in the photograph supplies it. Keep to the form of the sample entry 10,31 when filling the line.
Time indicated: 7,04
